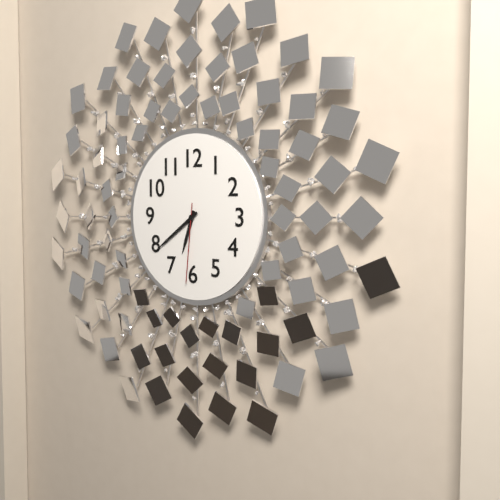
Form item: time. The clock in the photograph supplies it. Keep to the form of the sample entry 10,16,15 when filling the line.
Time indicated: 6,39,31
